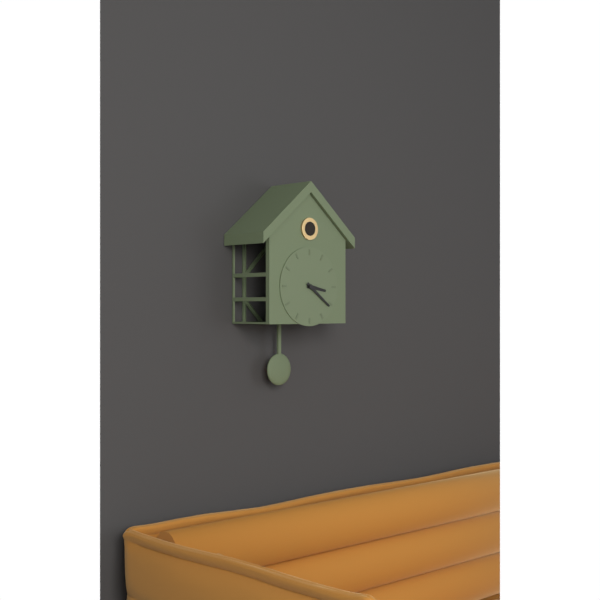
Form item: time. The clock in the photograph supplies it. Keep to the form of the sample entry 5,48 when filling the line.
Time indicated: 3,21
